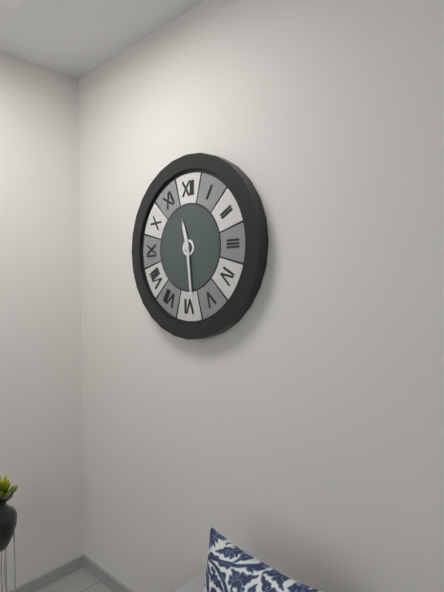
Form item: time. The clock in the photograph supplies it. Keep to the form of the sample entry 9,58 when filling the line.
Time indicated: 11,29
